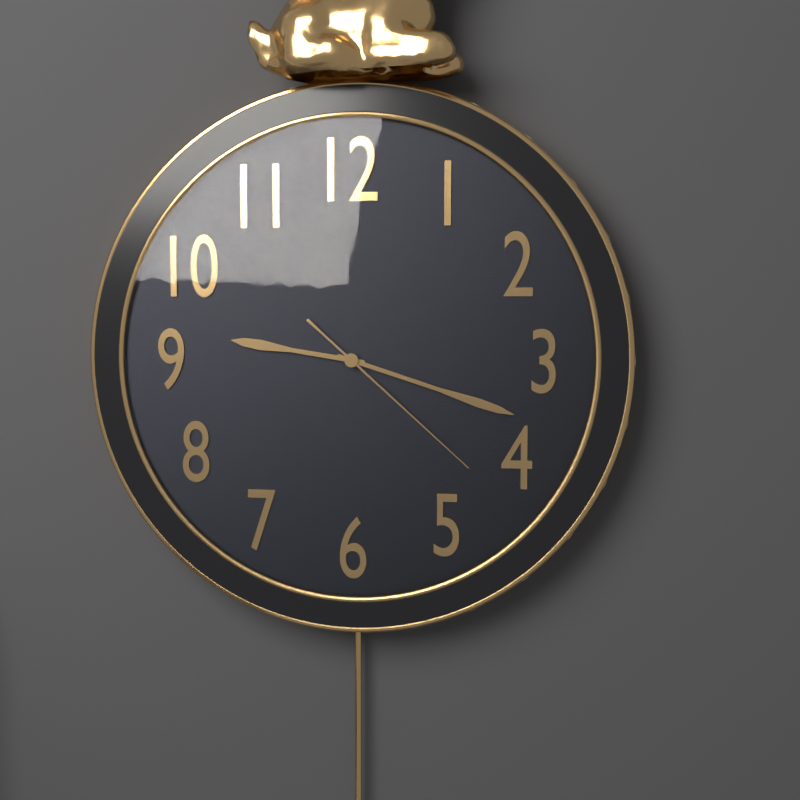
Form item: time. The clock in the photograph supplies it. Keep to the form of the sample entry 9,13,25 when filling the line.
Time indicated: 9,18,22
